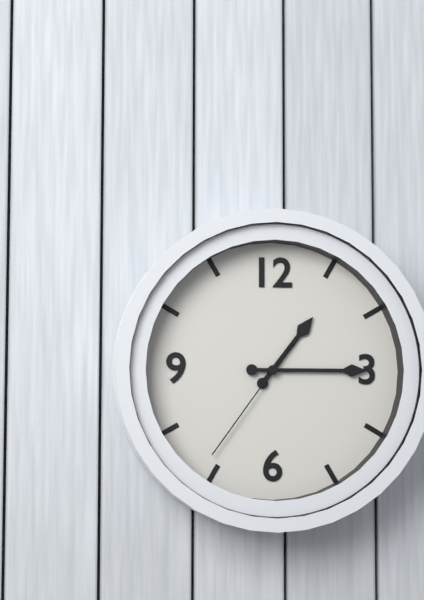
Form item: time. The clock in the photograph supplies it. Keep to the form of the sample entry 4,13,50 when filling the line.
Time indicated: 1,15,36
